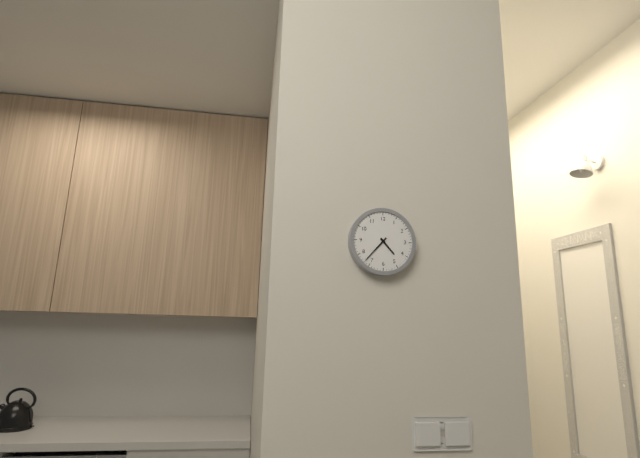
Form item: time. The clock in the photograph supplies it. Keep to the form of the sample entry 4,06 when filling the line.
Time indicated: 4,37
